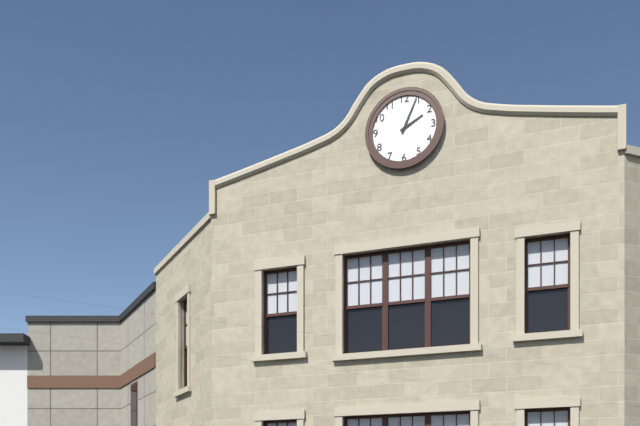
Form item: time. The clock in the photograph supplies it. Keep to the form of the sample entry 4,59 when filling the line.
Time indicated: 2,04
